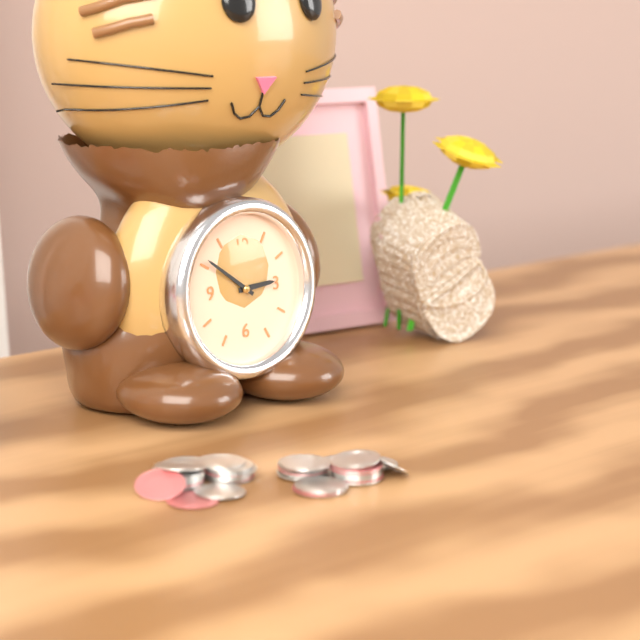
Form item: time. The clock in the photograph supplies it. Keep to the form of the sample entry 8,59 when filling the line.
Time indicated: 2,51
